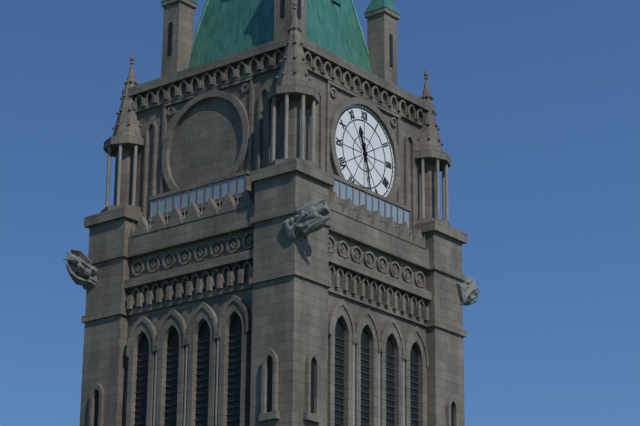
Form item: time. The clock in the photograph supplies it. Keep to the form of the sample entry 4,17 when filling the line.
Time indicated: 11,28
